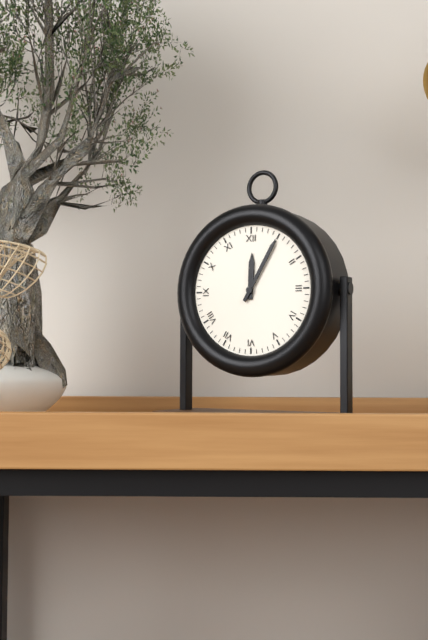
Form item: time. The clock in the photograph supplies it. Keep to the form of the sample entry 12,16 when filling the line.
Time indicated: 12,05
